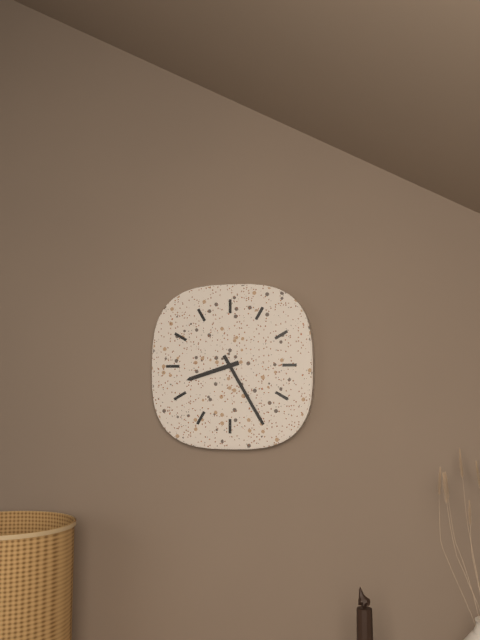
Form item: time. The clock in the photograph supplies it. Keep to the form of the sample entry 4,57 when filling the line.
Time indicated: 8,25
